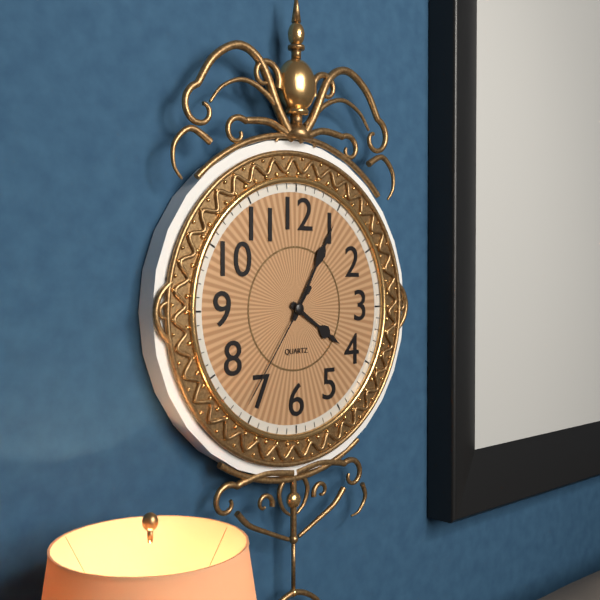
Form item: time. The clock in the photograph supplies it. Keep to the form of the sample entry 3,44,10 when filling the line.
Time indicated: 4,05,36
